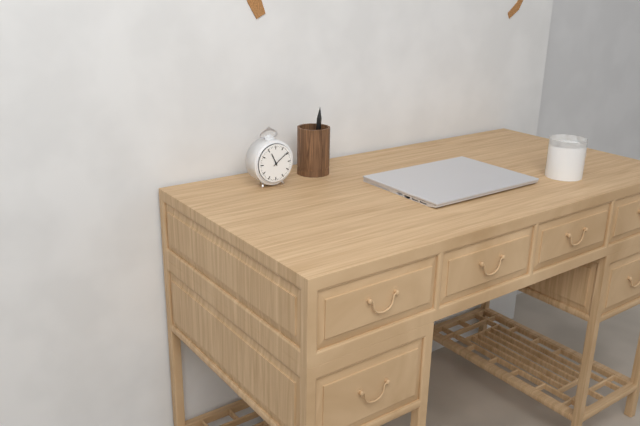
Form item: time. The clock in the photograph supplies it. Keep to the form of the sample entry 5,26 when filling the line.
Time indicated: 11,09
